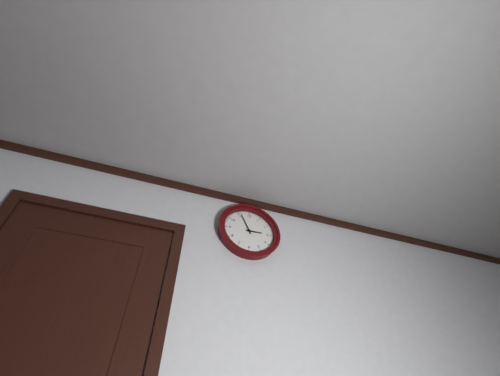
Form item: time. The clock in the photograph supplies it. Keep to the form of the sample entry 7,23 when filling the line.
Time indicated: 2,56
